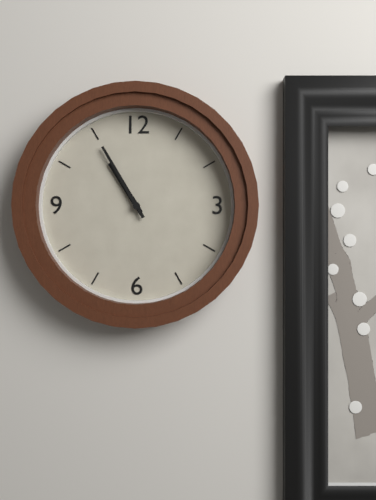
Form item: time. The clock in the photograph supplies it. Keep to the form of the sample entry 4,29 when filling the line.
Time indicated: 10,55
